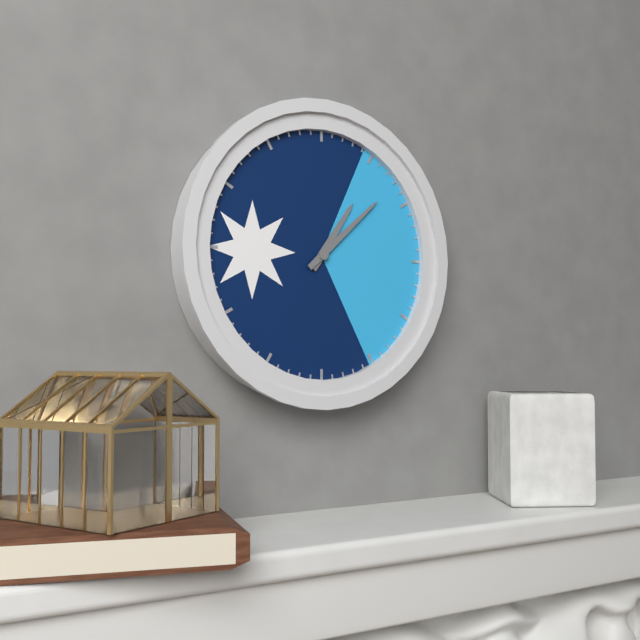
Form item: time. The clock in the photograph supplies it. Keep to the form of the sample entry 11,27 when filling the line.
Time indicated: 1,08
